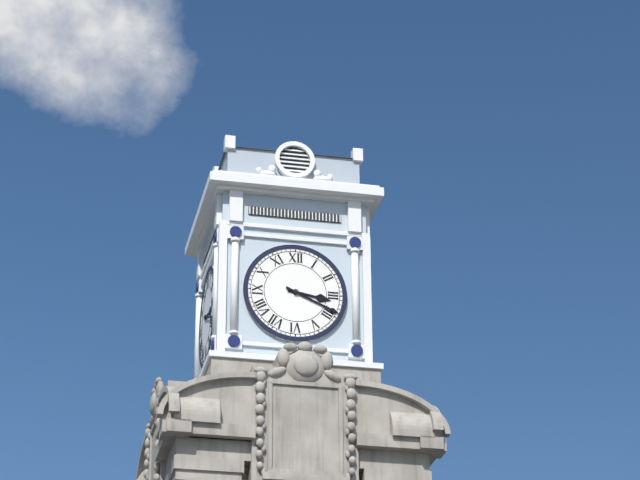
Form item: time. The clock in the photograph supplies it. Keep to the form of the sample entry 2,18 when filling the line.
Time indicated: 3,19
